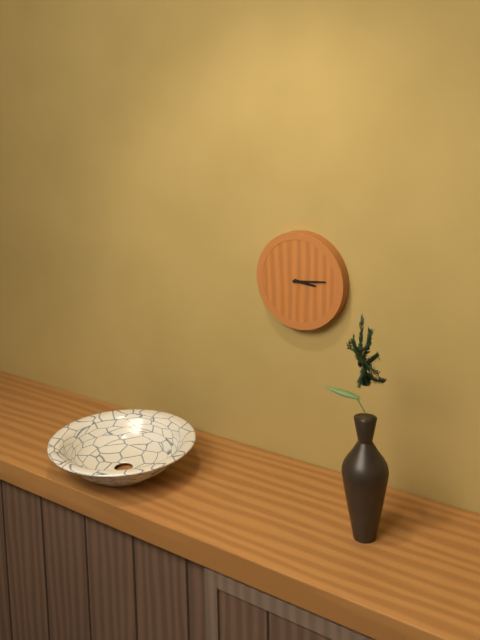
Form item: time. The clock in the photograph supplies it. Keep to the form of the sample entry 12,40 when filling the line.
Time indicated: 3,14
